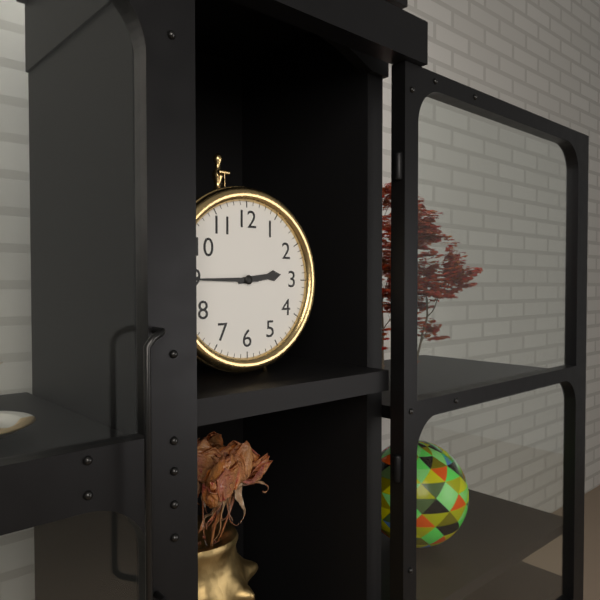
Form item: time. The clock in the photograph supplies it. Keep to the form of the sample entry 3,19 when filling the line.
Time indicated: 2,45
